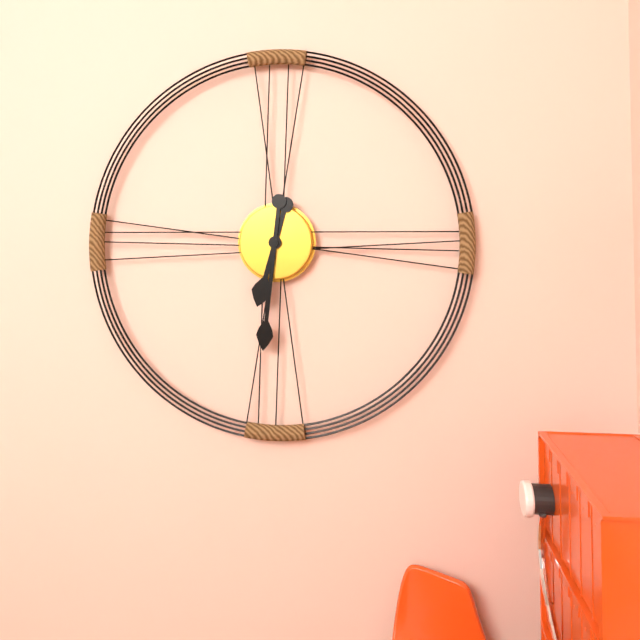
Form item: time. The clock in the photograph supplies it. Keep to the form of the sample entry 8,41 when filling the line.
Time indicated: 6,31
